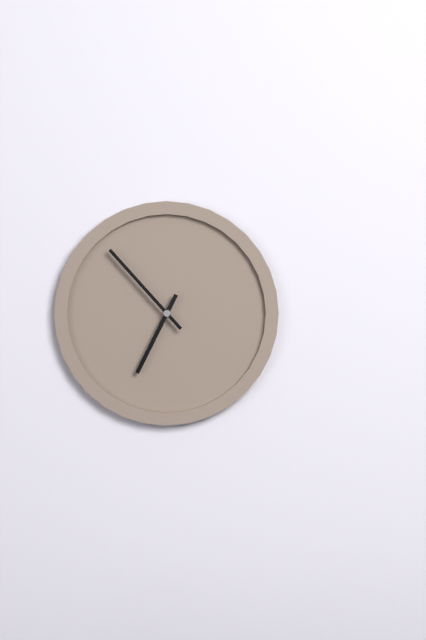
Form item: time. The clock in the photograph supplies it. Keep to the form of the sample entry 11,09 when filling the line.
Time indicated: 6,53
